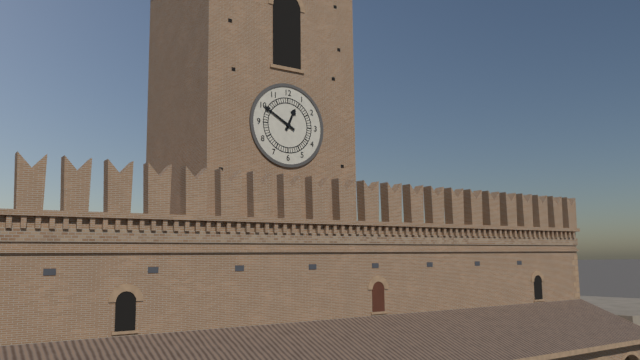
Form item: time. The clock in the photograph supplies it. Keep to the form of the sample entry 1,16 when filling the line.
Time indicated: 12,50
